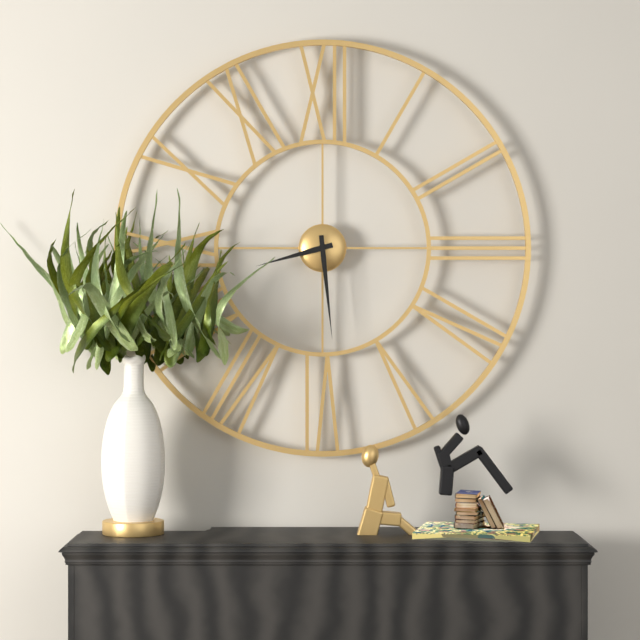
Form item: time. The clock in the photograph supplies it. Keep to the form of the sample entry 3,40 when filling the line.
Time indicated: 8,29
